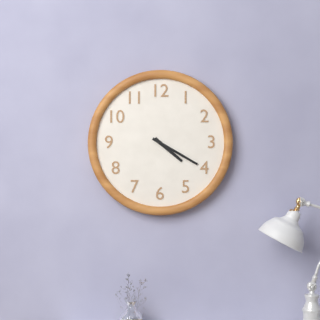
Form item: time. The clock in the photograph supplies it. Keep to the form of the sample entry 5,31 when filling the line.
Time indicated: 4,20
